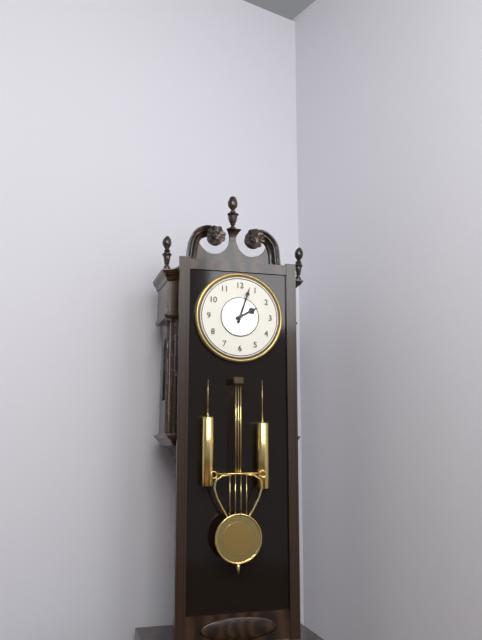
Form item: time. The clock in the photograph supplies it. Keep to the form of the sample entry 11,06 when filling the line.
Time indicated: 2,03
